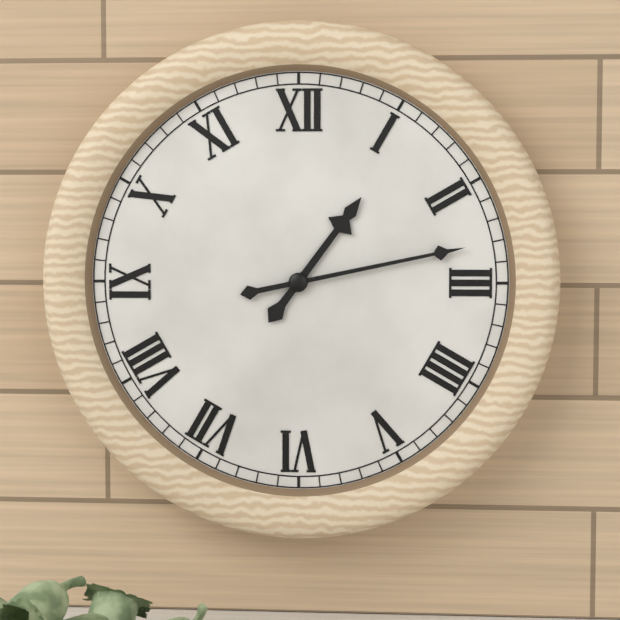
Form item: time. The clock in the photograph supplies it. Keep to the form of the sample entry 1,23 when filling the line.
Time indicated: 1,13
